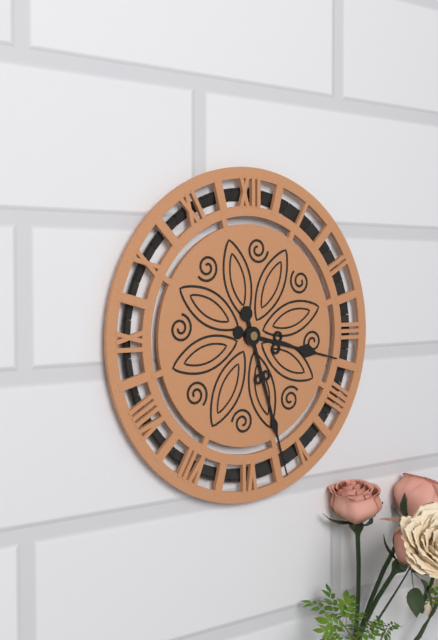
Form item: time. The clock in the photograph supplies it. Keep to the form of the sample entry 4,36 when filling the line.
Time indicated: 3,27
